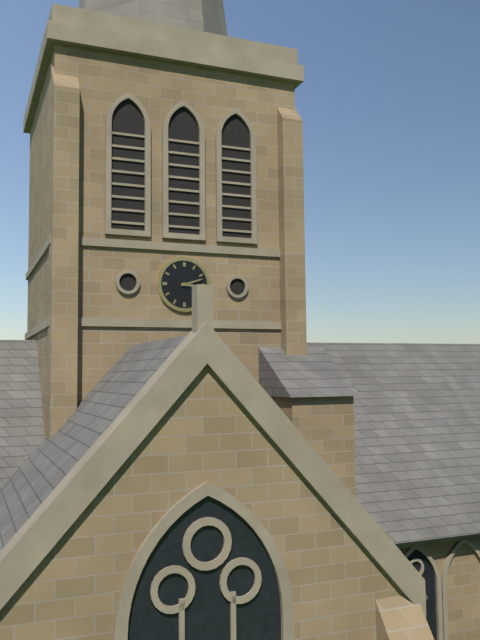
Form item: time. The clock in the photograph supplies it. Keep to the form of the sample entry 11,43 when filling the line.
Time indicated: 3,12
